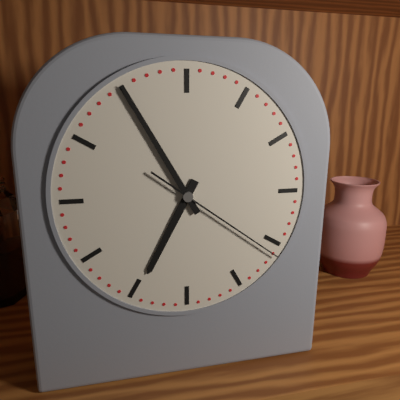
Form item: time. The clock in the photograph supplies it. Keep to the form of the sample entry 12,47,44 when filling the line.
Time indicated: 6,55,21
